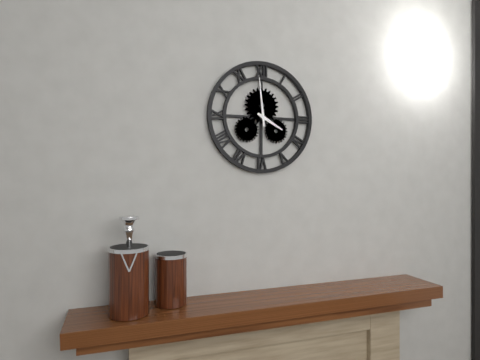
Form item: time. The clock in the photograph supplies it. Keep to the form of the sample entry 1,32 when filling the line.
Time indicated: 3,59
